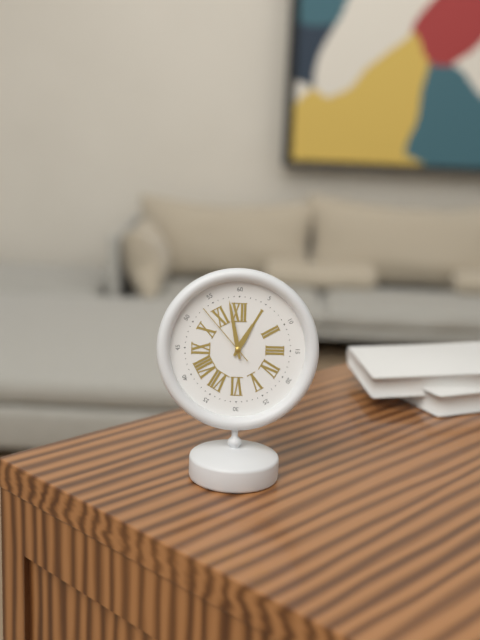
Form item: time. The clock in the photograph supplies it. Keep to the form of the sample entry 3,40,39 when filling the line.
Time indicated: 12,58,53
